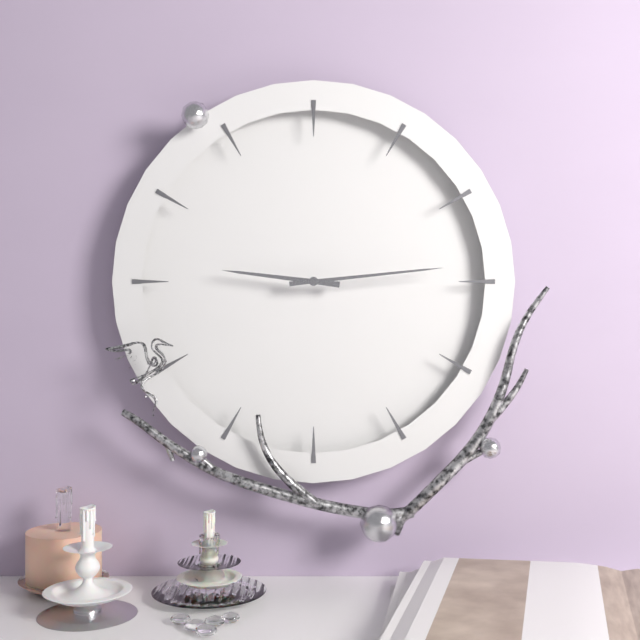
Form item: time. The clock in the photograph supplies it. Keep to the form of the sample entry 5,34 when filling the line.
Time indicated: 9,14
